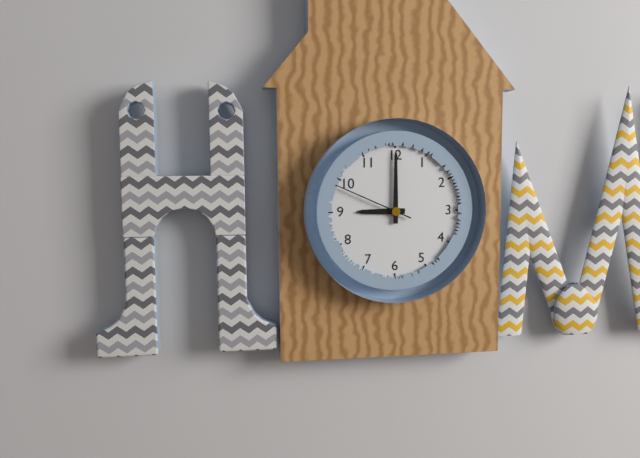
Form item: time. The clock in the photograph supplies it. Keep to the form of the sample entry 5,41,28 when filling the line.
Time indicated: 9,00,49
